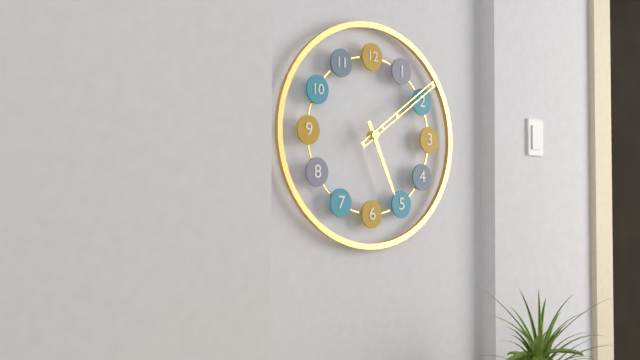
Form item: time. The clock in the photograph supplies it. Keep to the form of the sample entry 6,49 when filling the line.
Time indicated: 5,09
